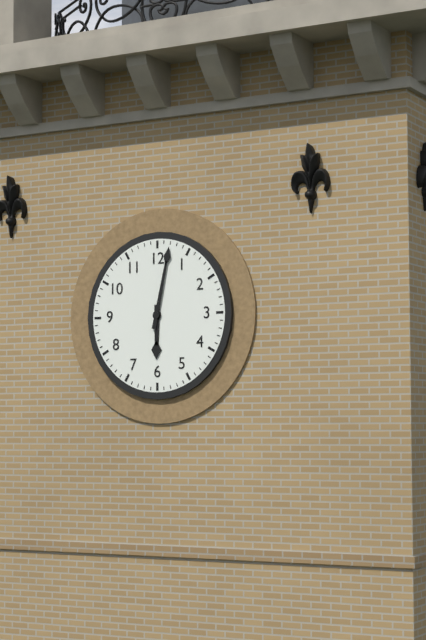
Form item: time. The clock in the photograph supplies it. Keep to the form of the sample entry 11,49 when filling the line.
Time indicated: 6,02
